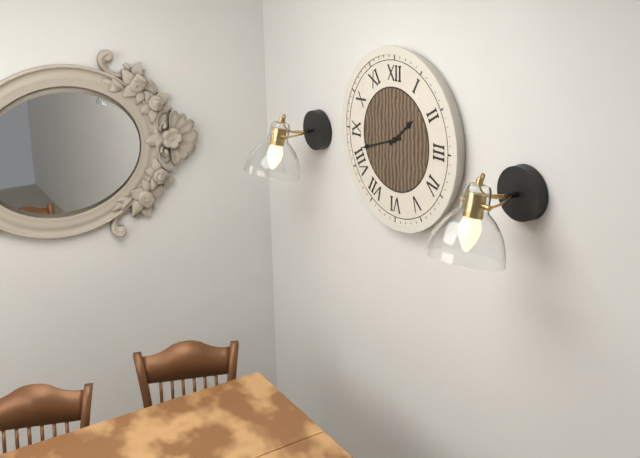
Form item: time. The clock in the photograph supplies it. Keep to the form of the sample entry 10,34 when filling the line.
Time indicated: 1,42
